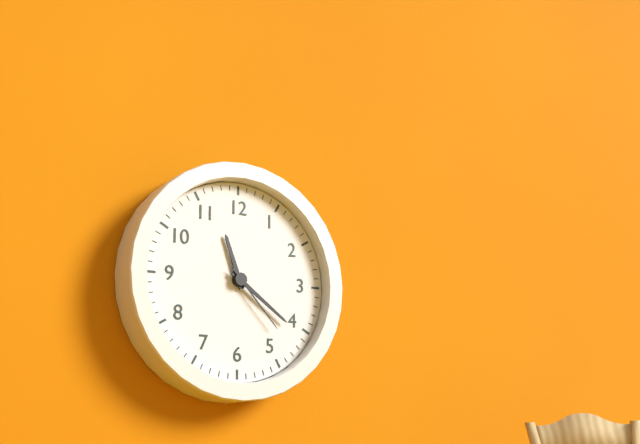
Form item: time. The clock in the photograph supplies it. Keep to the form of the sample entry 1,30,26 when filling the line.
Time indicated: 11,21,23
